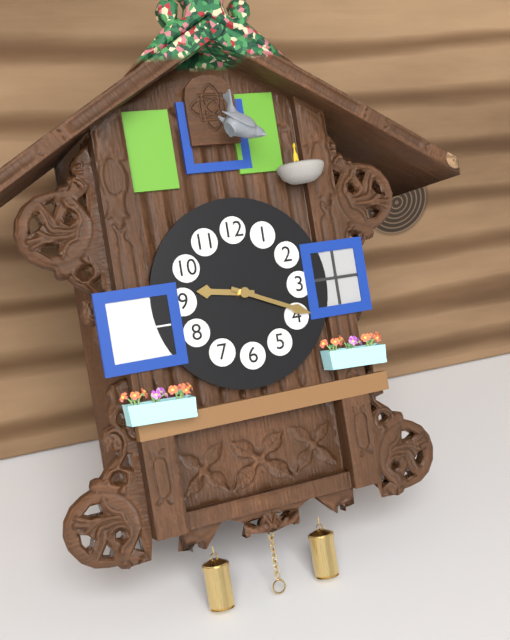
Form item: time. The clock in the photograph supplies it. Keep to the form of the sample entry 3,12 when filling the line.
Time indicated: 9,19
